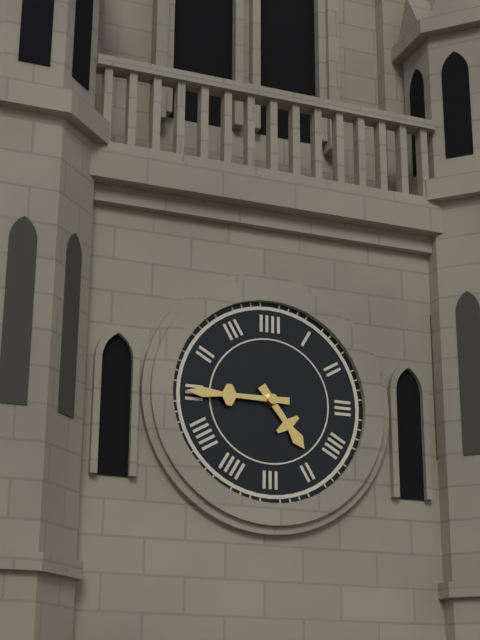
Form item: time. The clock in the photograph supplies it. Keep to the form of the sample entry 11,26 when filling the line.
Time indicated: 4,45
